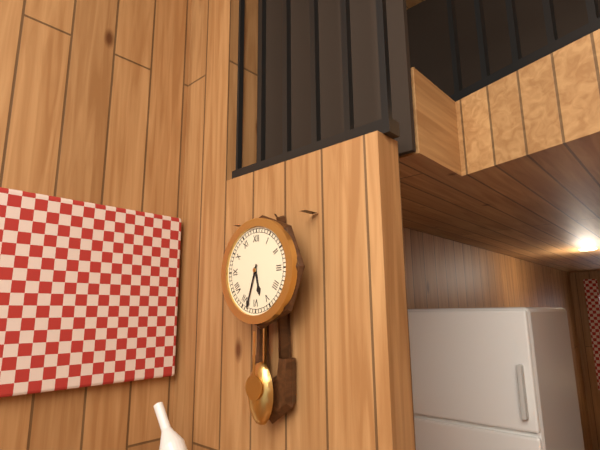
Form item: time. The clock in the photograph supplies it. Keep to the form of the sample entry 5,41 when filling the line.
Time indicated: 5,33
